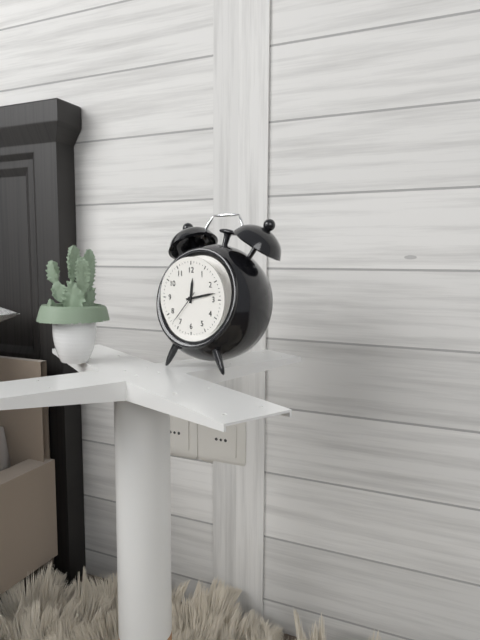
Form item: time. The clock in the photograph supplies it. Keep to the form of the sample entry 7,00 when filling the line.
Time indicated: 12,13
